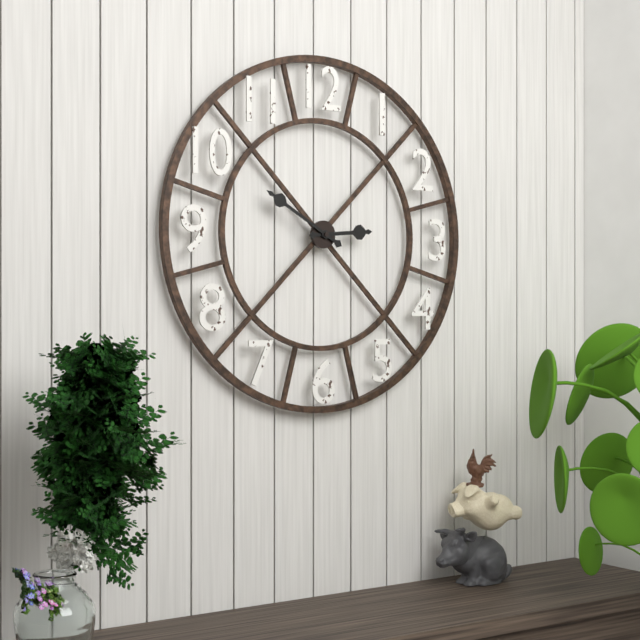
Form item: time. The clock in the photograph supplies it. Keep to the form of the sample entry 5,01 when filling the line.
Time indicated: 2,50
